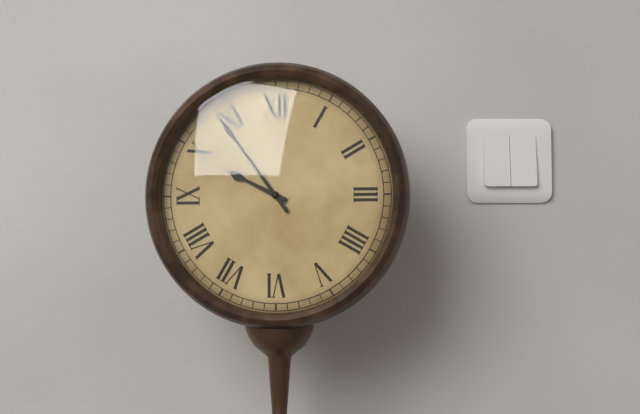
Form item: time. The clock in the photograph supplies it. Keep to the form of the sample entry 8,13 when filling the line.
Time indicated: 9,54
